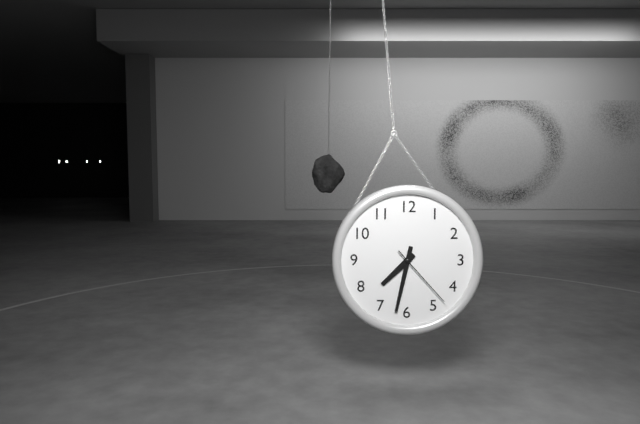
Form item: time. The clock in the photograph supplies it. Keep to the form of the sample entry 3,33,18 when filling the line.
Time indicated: 7,32,23
